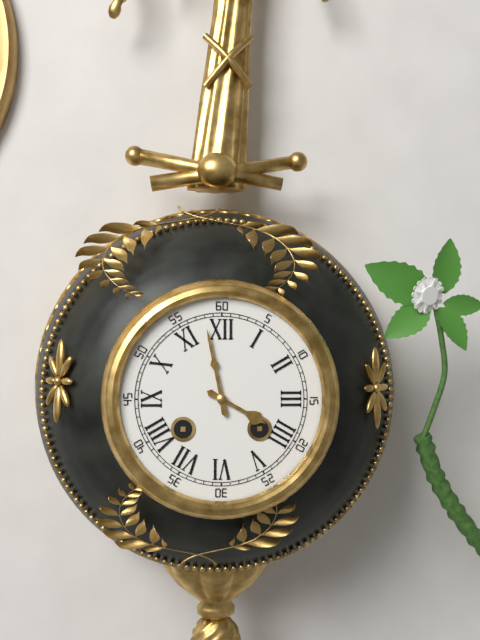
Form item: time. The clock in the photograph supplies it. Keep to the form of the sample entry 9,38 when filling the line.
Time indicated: 3,58
